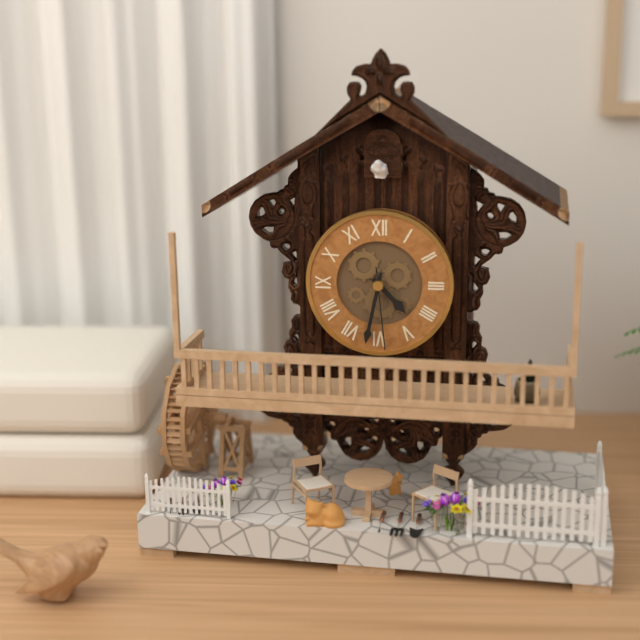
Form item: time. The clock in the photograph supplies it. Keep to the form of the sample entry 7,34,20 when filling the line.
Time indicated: 4,32,29
